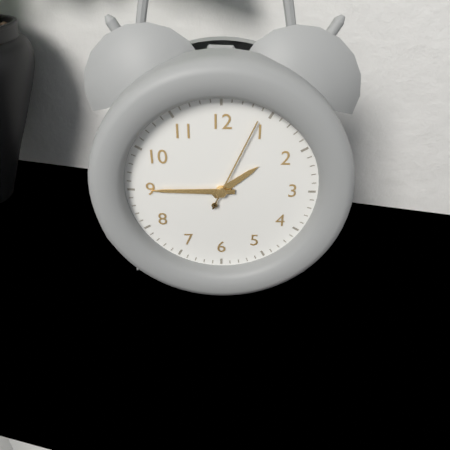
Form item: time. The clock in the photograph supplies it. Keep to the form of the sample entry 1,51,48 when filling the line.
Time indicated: 1,45,04
